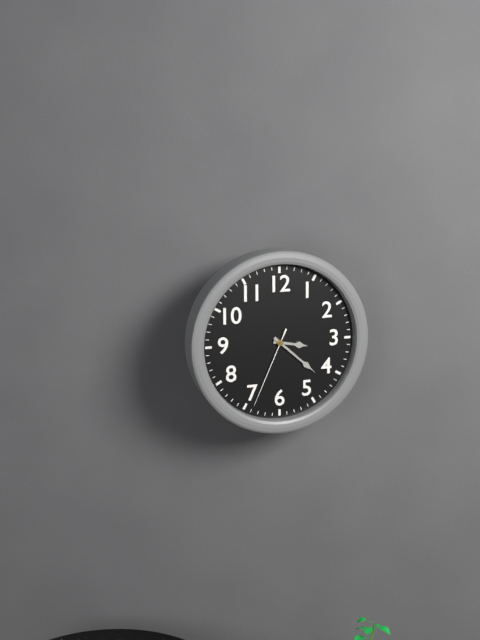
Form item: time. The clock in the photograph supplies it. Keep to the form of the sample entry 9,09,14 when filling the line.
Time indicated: 3,22,34
